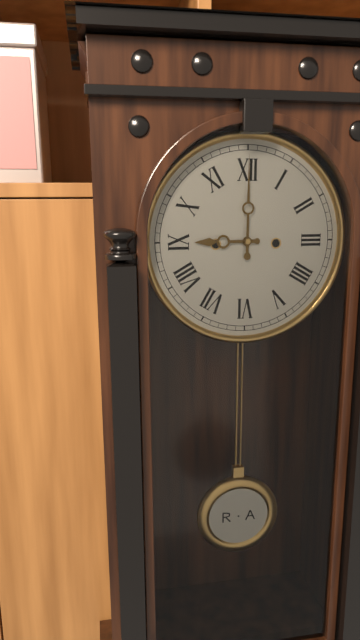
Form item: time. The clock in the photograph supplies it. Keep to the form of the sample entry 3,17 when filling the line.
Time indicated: 9,00
